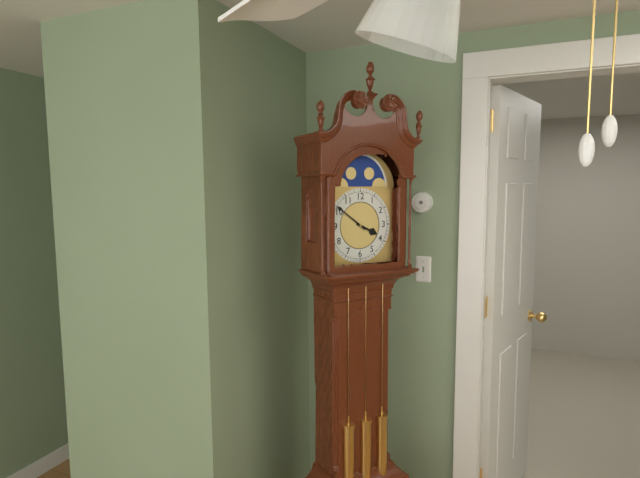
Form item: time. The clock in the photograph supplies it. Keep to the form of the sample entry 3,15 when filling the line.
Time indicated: 3,51
